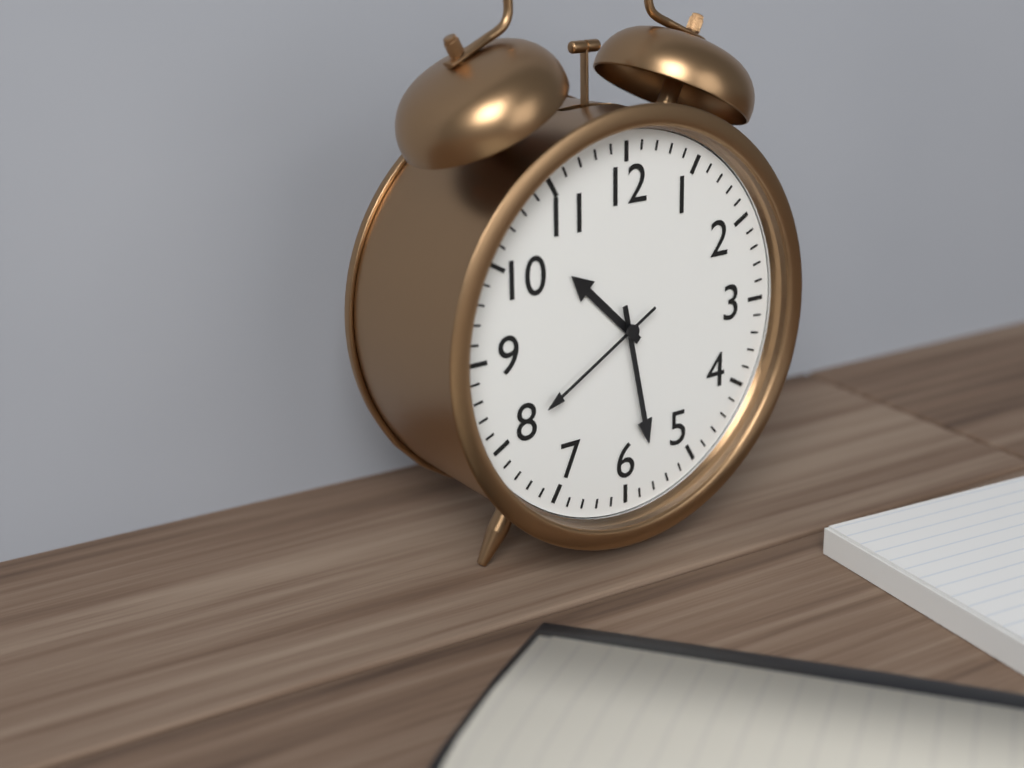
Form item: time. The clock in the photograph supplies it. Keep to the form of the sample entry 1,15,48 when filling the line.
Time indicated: 10,28,40
